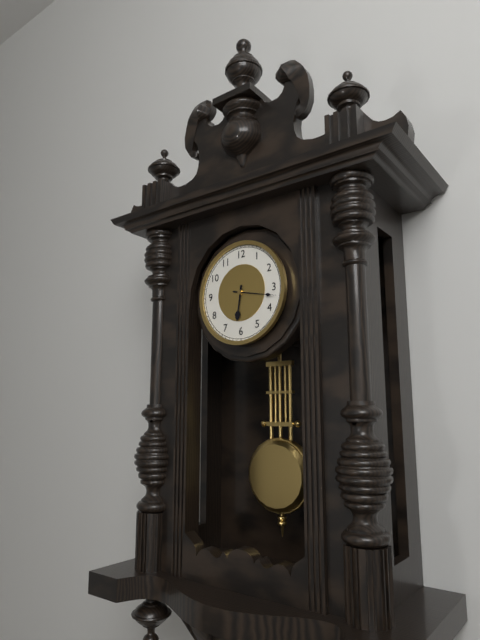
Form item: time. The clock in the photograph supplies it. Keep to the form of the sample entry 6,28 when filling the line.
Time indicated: 6,17
